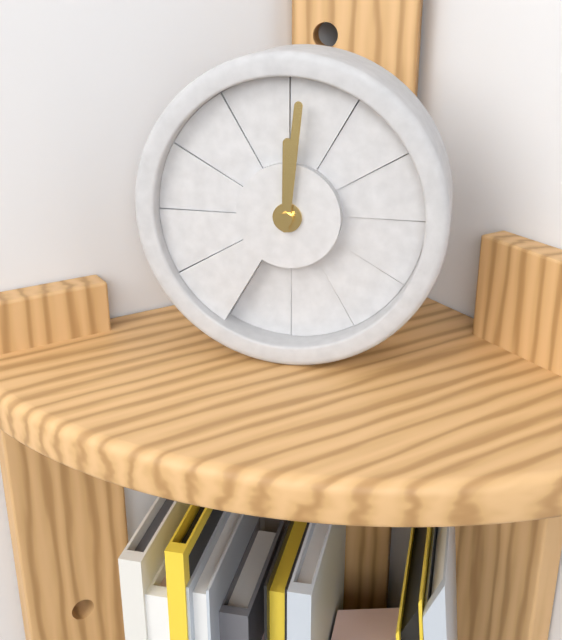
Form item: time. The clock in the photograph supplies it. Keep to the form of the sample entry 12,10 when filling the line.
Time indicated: 12,01
